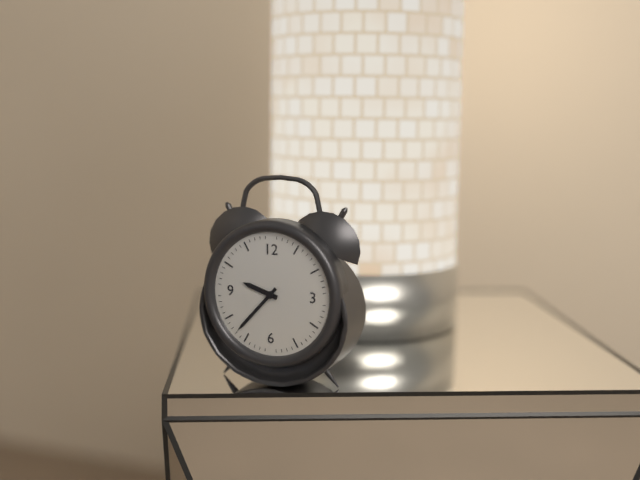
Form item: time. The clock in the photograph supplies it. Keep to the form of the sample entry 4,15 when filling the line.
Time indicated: 9,37
